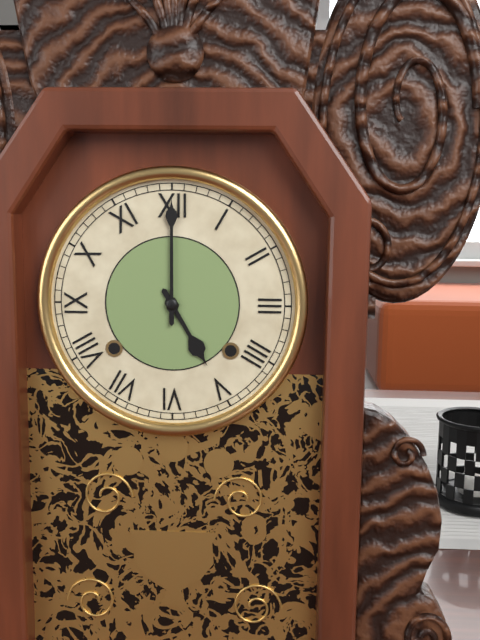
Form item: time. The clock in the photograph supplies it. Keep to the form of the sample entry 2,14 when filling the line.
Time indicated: 5,00
